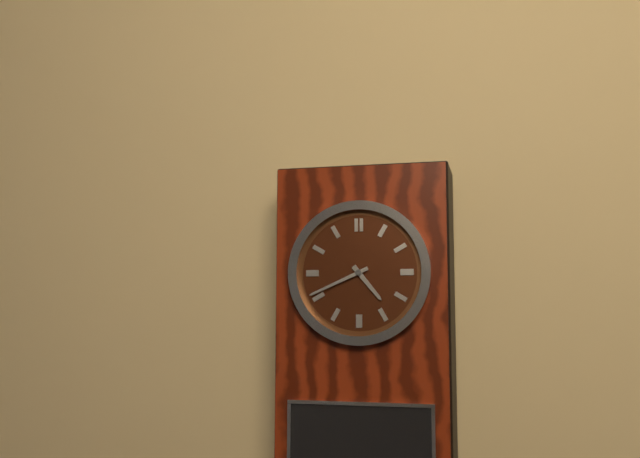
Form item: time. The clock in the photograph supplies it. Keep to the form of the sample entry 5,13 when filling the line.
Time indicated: 4,41
